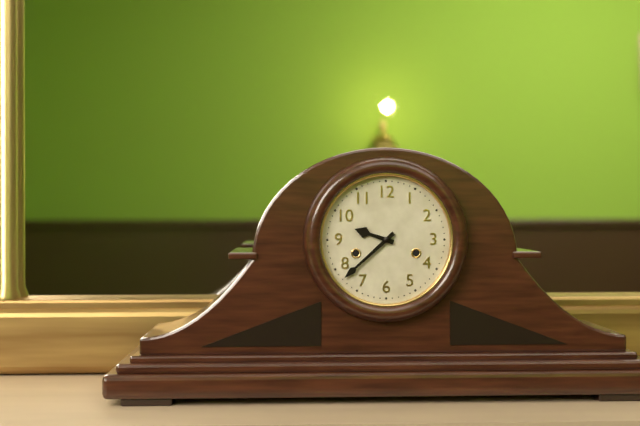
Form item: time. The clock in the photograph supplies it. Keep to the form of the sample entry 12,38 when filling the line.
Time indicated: 9,38
